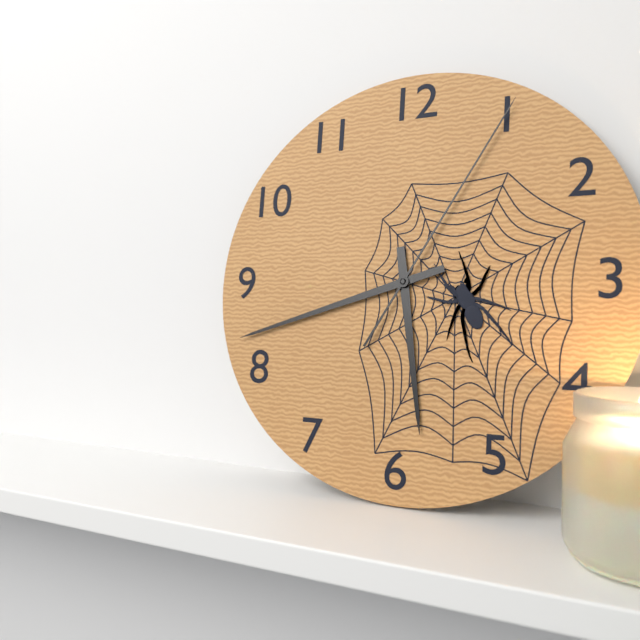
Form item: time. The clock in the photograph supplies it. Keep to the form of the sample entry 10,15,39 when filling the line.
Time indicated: 5,42,05
